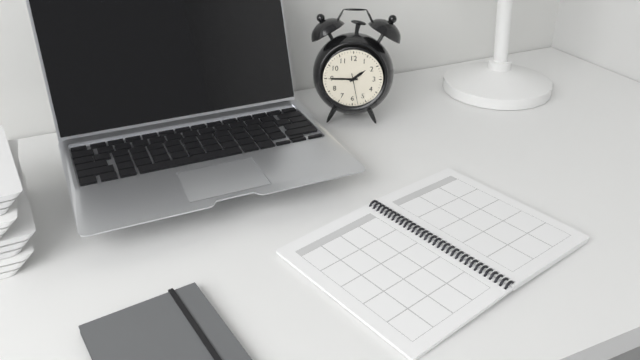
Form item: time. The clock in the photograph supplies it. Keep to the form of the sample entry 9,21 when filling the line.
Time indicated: 1,45
